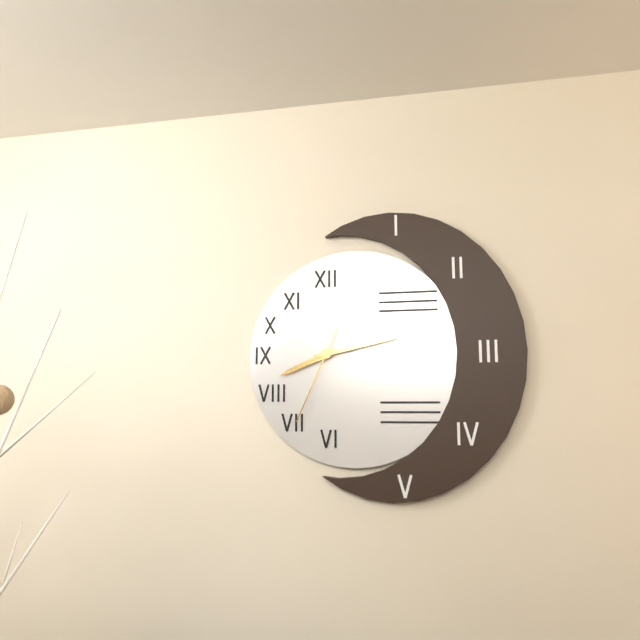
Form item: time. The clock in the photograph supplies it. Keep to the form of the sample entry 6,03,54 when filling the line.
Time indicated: 8,13,34
